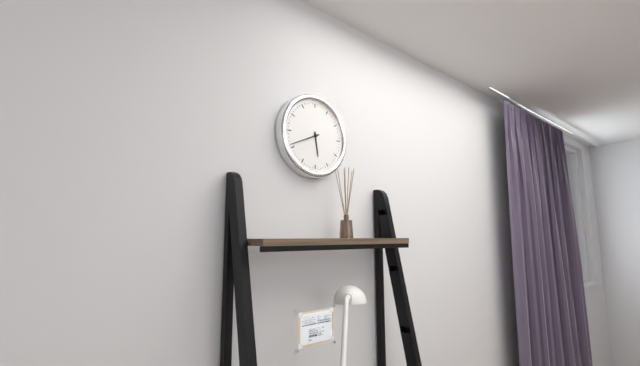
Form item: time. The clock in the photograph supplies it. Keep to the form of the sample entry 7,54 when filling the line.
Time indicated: 5,41
